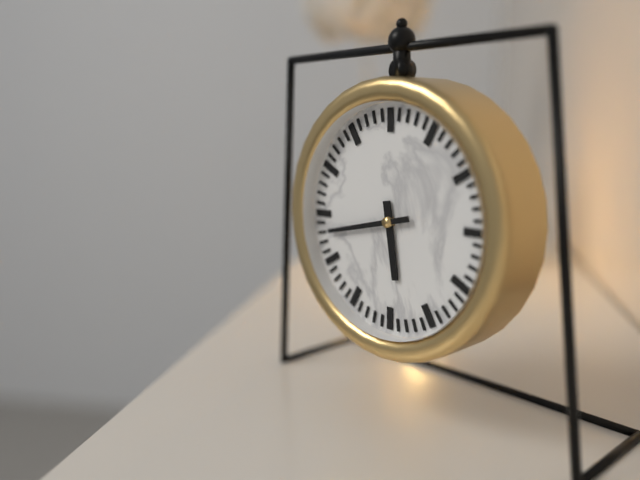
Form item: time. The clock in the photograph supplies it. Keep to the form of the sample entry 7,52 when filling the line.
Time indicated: 5,43
